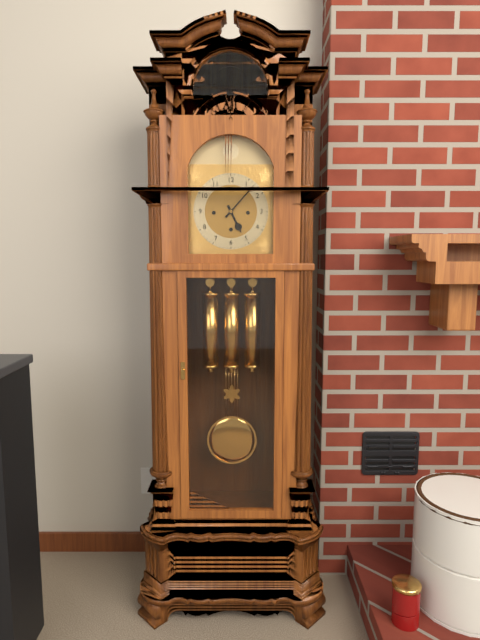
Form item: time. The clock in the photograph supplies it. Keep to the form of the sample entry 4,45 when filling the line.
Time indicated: 5,07
